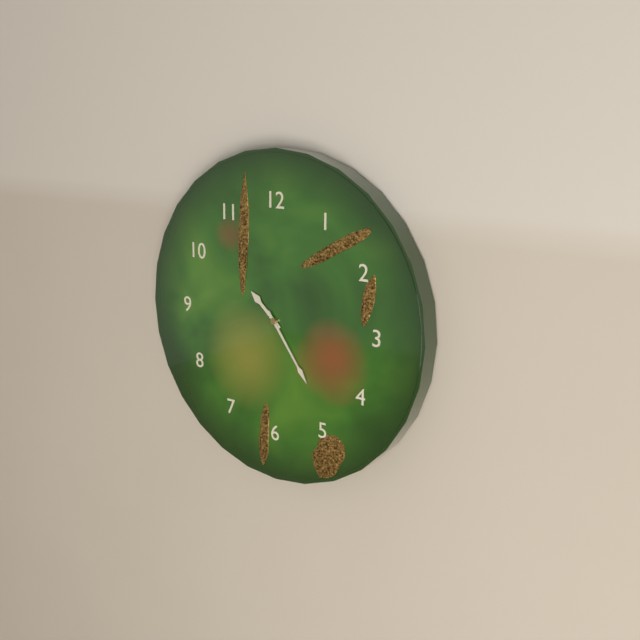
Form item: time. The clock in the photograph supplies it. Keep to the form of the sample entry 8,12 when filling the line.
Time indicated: 10,24
